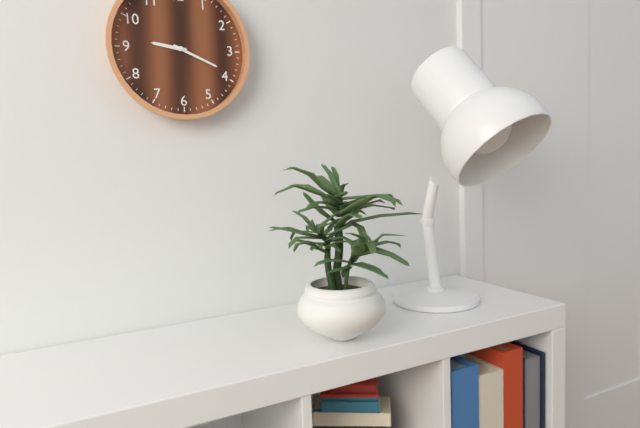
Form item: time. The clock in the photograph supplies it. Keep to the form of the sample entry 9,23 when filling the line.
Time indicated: 9,19
